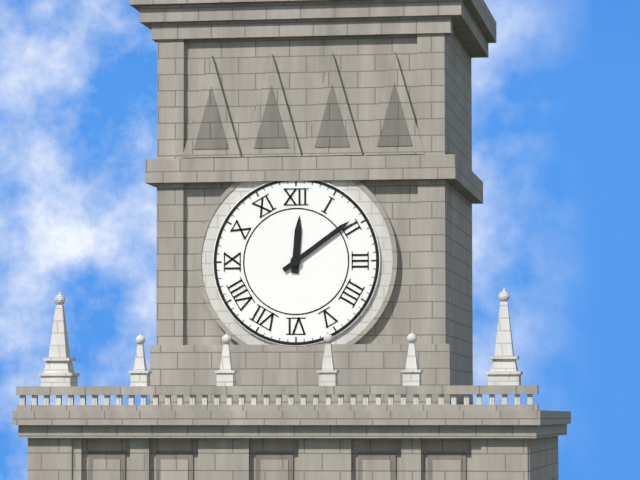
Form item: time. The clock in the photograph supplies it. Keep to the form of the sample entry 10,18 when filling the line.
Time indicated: 12,09
